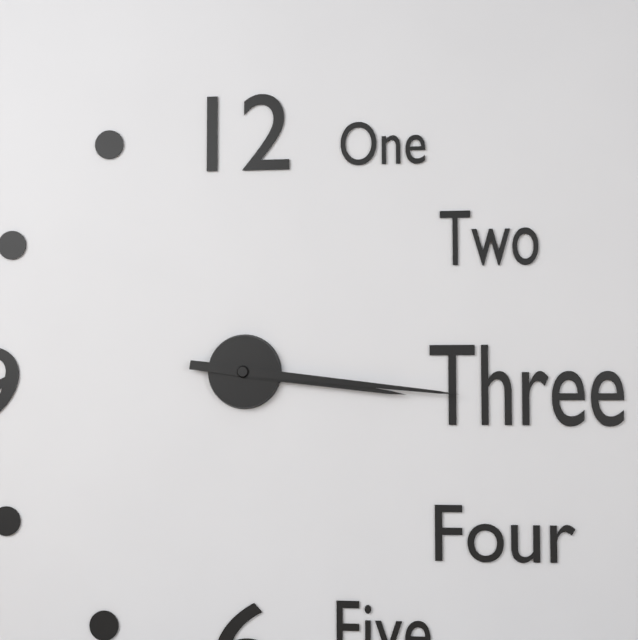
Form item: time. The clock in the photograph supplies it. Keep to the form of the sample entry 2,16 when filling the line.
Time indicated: 3,16
